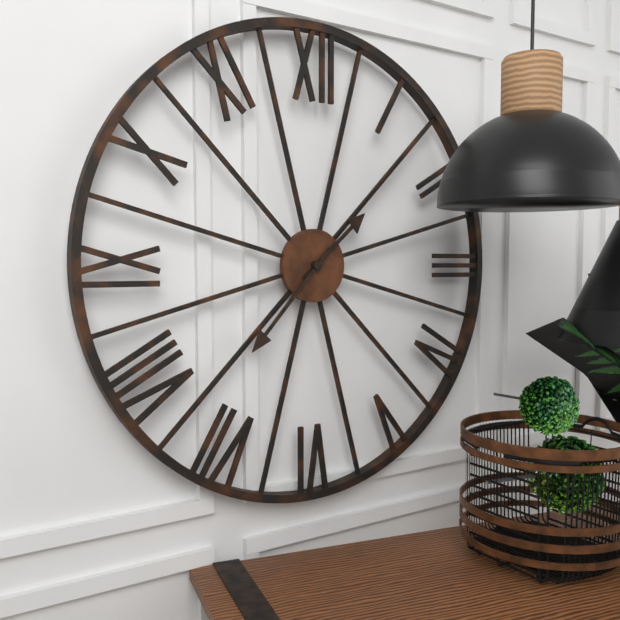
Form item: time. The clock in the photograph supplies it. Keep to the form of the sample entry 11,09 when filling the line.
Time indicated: 1,37
